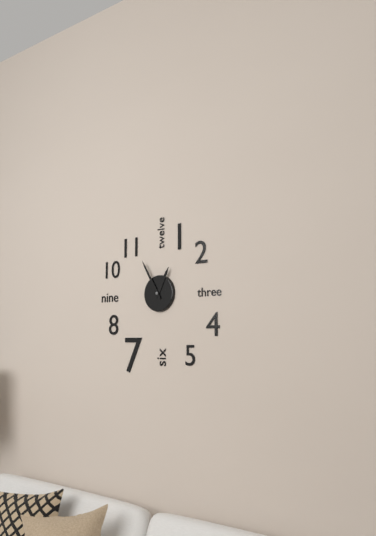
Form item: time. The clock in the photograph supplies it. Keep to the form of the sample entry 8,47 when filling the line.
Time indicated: 12,55
